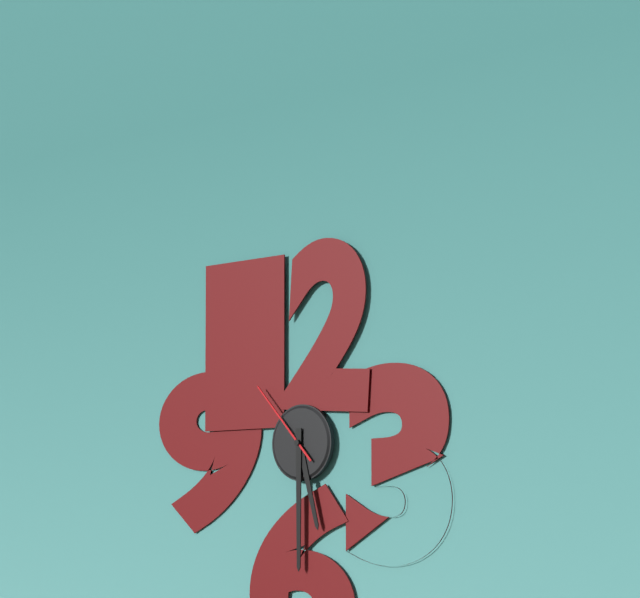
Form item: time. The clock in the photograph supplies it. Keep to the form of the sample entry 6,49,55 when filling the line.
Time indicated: 5,30,53
